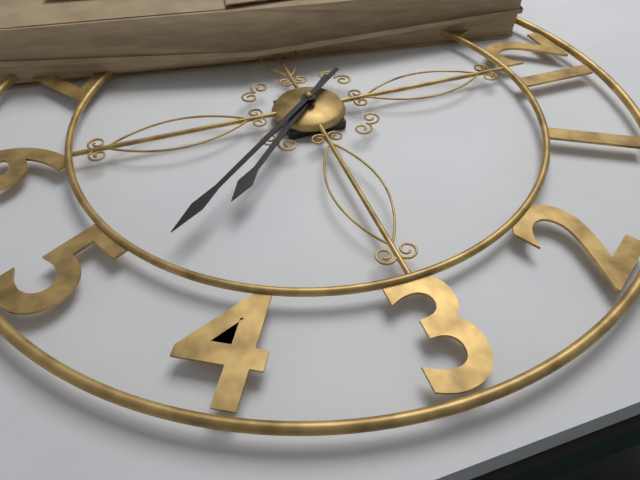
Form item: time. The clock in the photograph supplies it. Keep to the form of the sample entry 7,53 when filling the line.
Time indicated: 4,23
